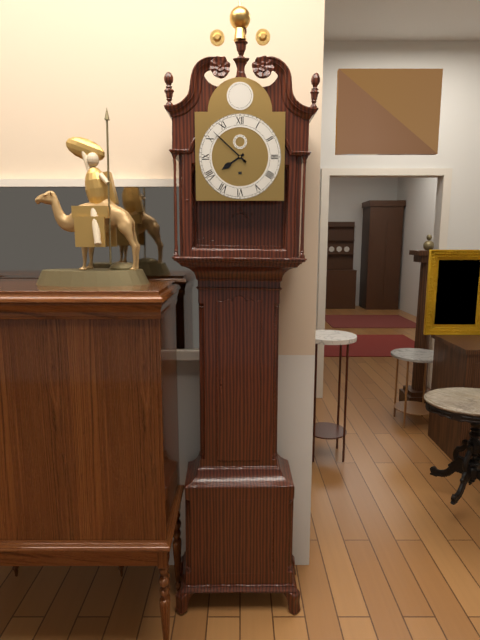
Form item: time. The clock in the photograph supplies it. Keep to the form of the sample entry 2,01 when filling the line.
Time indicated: 7,52
